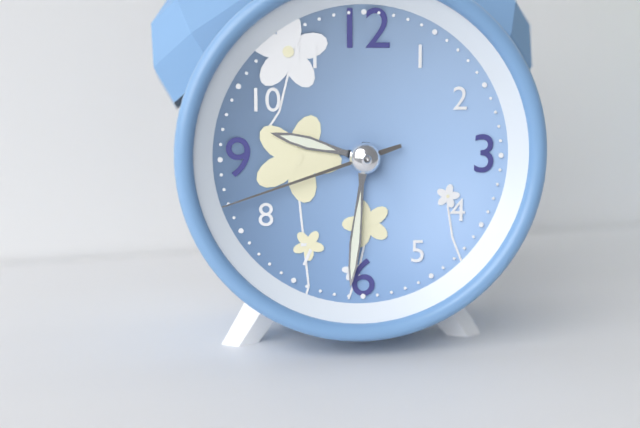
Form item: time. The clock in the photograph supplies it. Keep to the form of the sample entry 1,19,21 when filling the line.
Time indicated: 9,31,42
